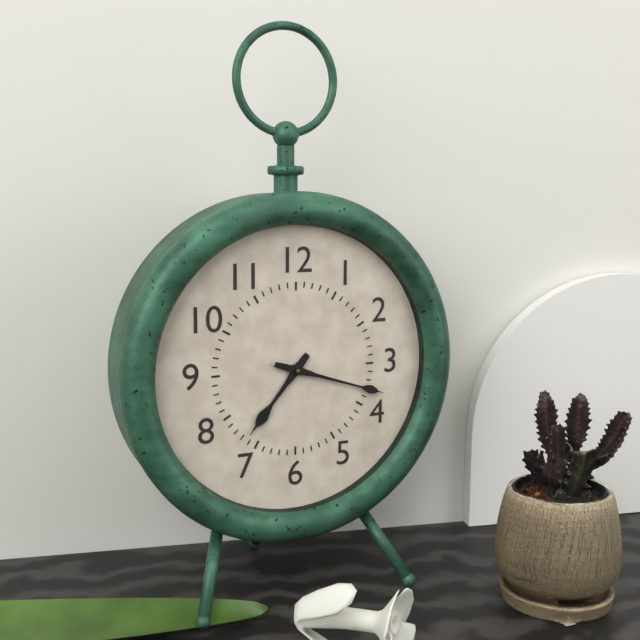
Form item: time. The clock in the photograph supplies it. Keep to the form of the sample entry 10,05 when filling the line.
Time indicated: 7,18
